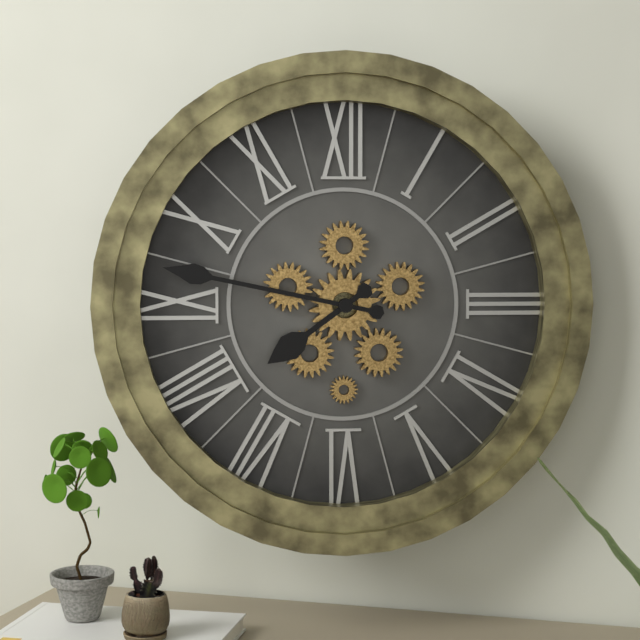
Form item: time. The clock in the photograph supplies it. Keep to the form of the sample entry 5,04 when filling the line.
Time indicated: 7,47
